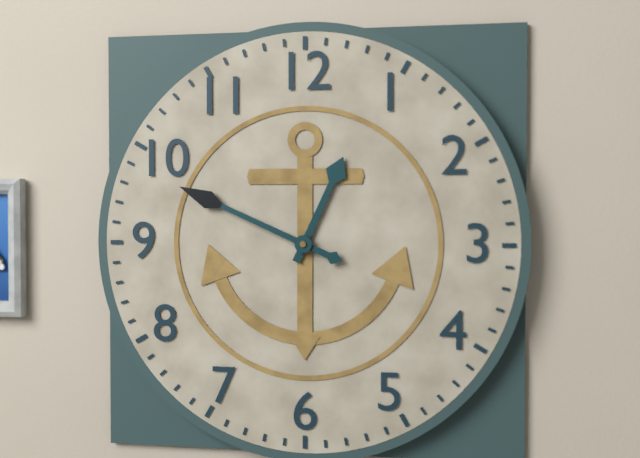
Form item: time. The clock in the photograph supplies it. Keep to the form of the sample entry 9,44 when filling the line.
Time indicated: 12,49
